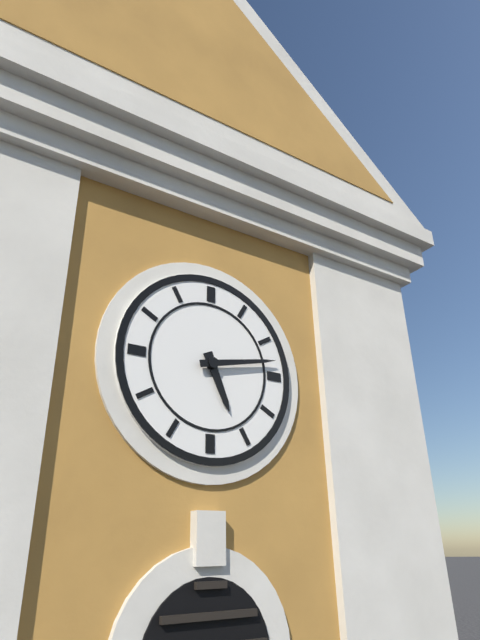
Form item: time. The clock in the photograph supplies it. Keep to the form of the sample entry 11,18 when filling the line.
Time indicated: 5,13
